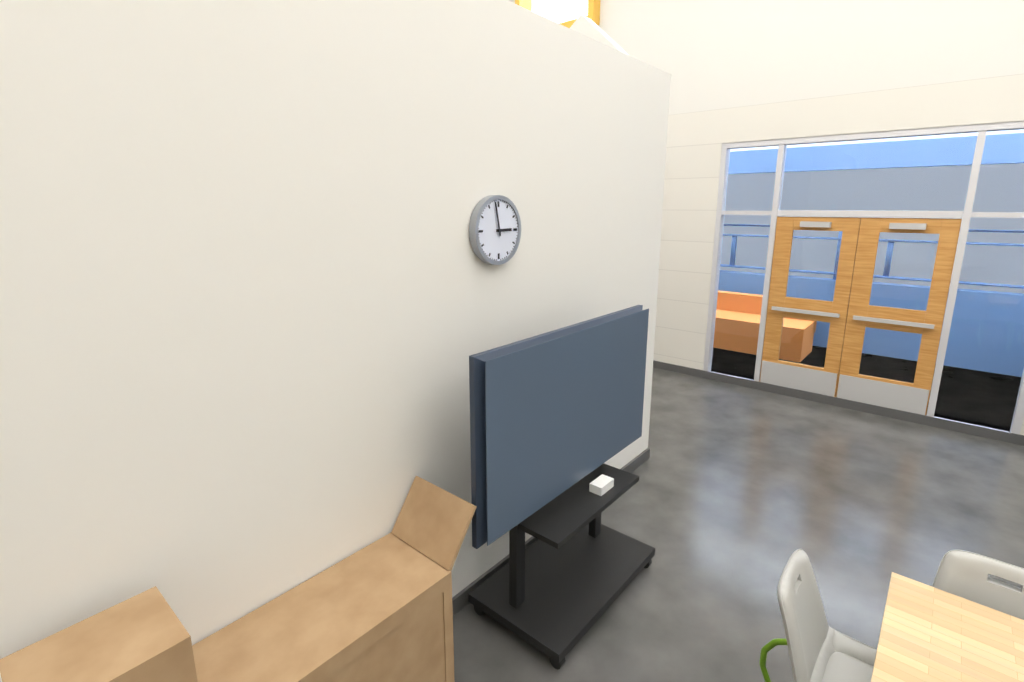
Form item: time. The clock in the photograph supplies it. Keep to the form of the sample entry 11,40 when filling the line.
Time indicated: 2,58
